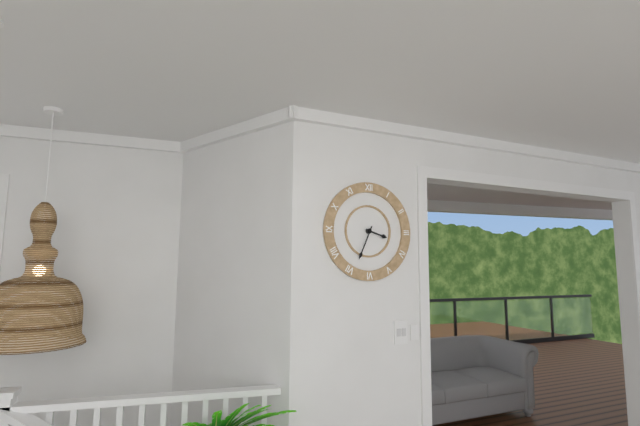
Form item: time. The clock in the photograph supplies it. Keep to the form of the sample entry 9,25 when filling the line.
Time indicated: 3,34
